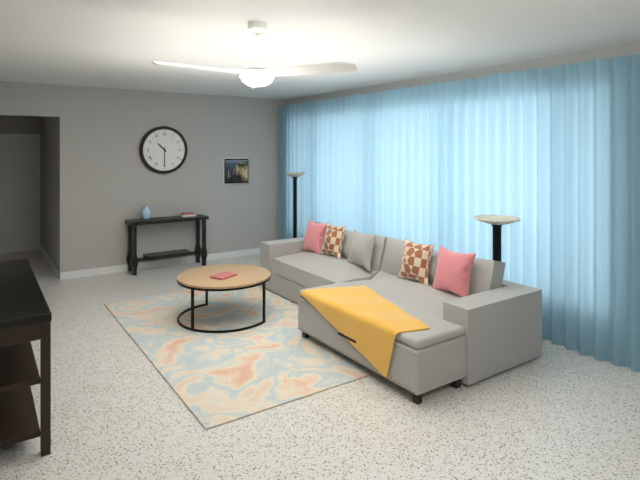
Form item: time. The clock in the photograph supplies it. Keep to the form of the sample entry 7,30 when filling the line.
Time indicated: 10,30
